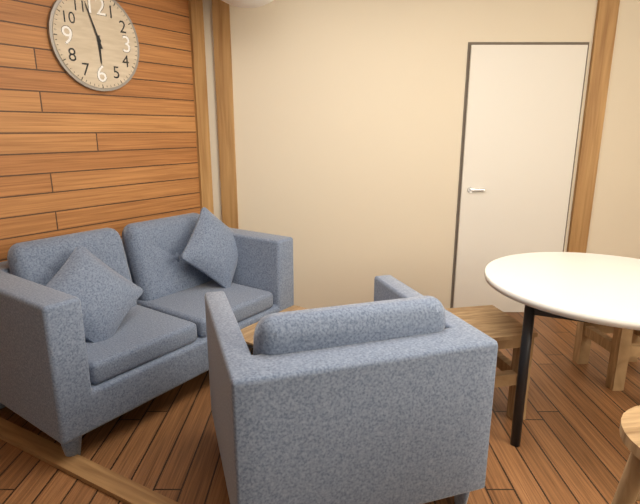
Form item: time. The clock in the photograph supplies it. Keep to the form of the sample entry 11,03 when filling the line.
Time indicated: 5,57
